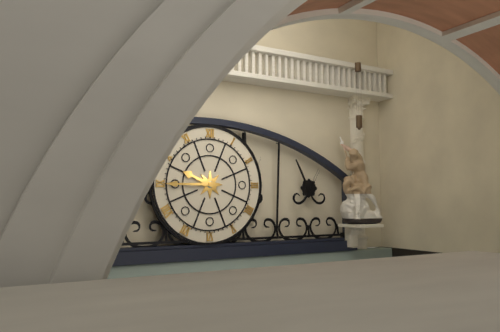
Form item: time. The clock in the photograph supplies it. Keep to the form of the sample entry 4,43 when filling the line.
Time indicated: 9,45
